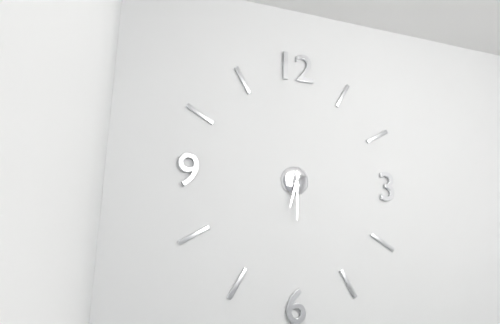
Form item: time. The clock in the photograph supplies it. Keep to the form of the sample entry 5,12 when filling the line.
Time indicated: 6,30
